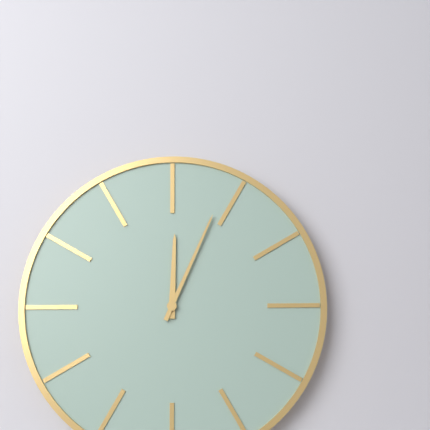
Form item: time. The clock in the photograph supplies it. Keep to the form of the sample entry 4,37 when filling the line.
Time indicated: 12,04
